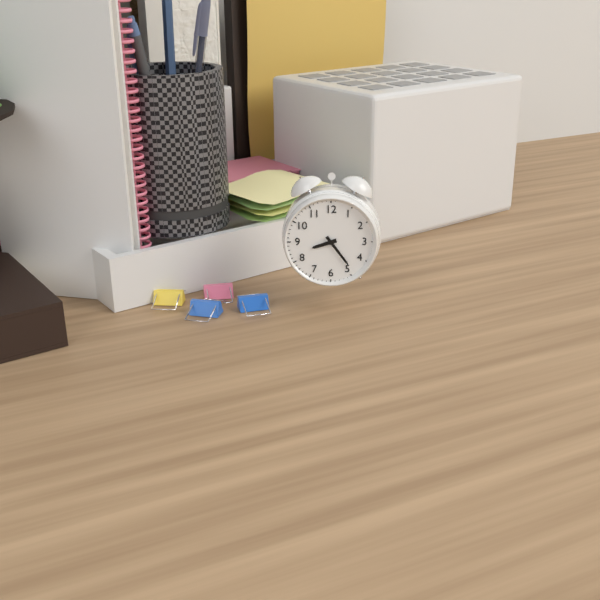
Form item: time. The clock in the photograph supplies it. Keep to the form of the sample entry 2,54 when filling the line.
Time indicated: 8,24
